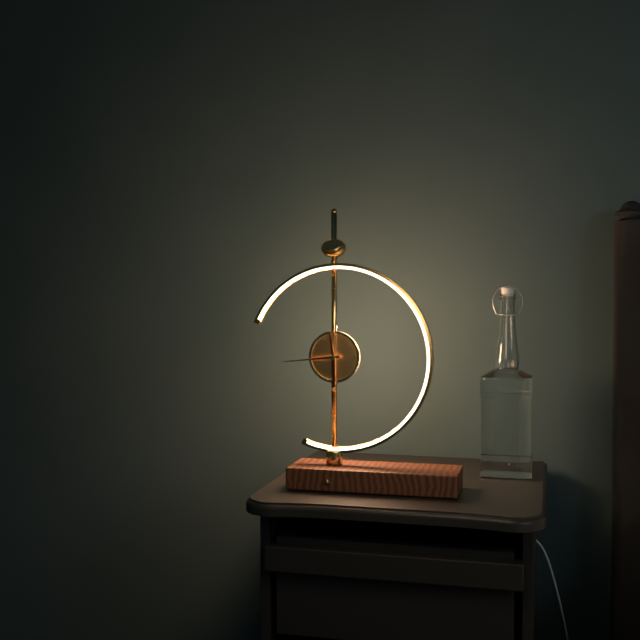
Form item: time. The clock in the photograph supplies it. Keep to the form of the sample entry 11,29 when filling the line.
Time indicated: 11,44
